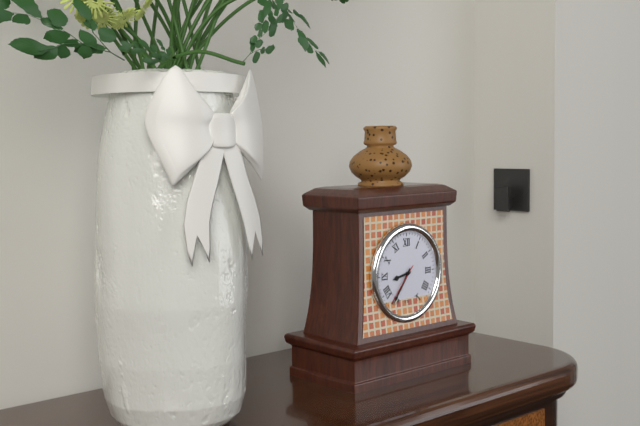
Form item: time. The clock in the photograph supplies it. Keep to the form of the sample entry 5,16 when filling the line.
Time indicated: 8,36
